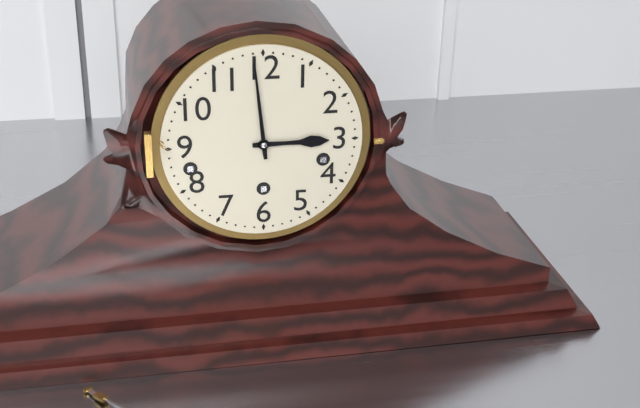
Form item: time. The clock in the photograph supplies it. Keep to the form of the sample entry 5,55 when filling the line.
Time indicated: 2,59
